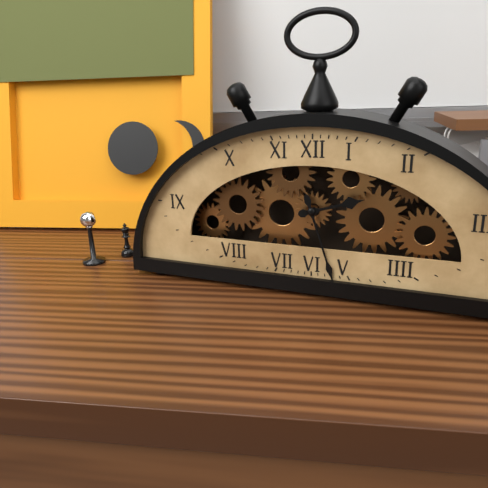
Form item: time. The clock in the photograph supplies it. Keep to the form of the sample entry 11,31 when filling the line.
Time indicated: 2,27
